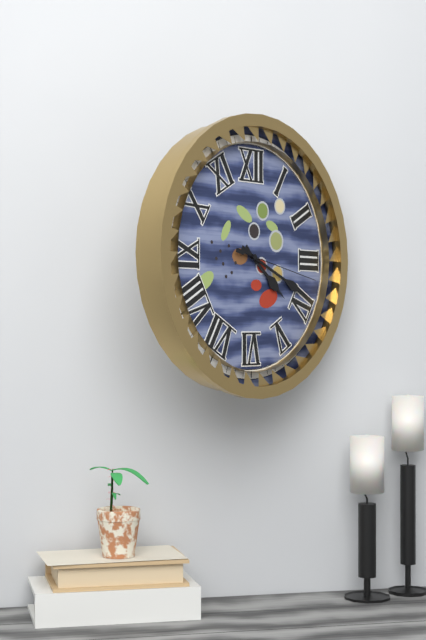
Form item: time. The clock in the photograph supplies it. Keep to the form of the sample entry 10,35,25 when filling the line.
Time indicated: 4,19,17
